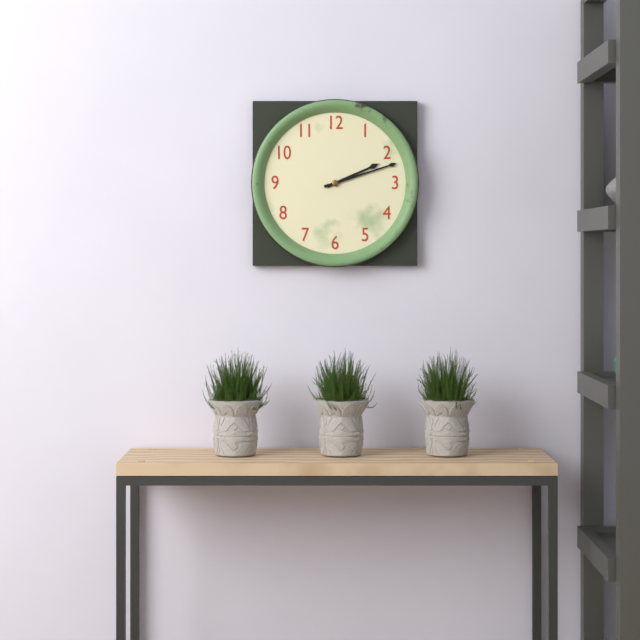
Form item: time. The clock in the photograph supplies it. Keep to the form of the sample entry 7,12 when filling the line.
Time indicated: 2,12
